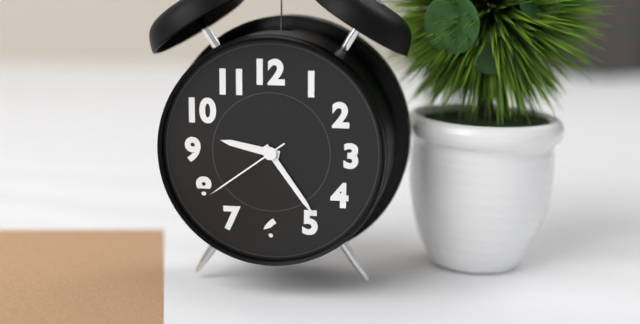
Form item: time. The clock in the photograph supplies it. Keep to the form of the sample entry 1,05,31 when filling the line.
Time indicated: 9,24,39
